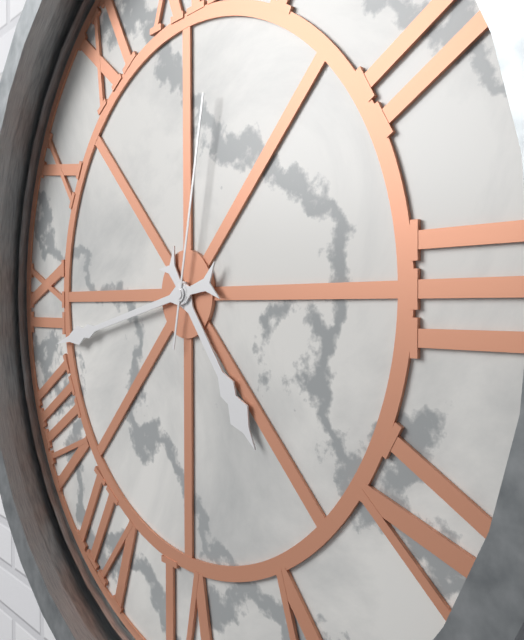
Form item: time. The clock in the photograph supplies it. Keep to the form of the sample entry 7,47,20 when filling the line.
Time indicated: 4,43,02
